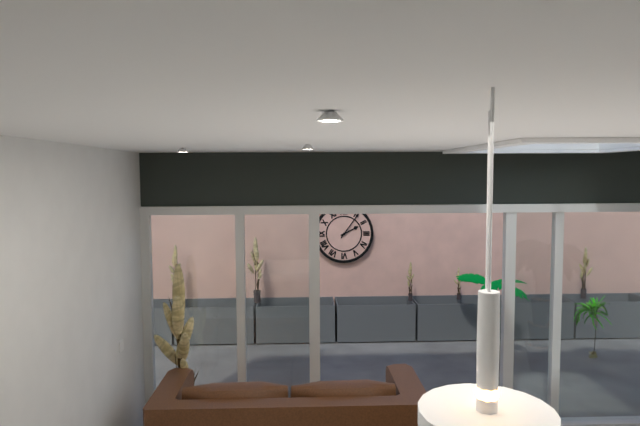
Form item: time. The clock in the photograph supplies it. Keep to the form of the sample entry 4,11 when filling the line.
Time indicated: 2,06
